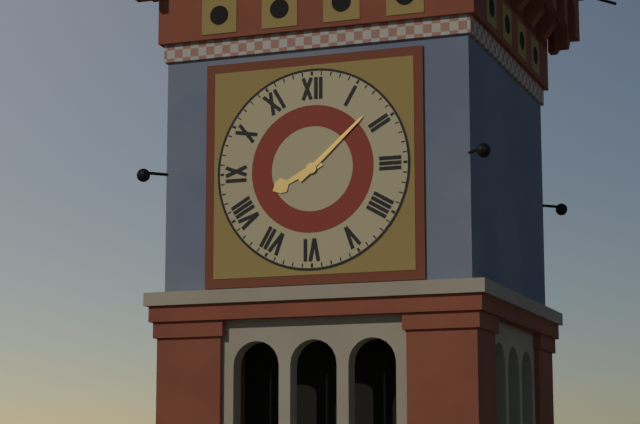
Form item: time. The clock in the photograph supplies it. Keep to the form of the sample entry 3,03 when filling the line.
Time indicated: 8,08
